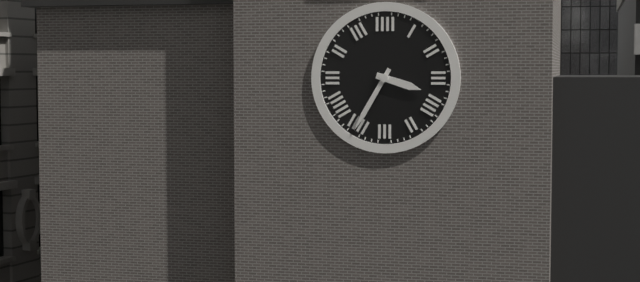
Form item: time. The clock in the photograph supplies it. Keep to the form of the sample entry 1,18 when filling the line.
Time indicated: 3,35
